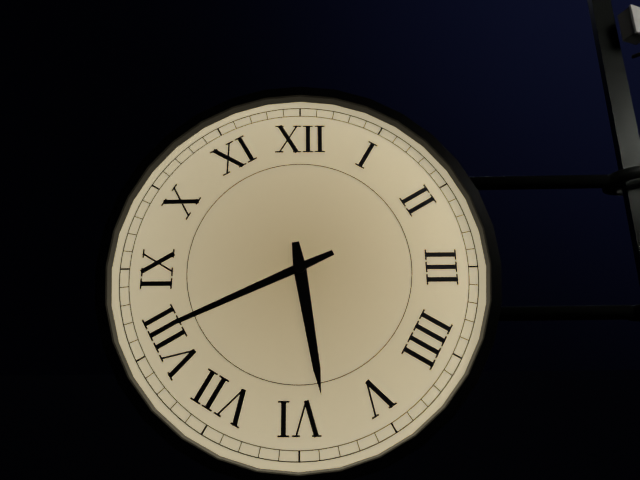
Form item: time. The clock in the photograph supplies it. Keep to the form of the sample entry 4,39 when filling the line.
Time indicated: 5,41
